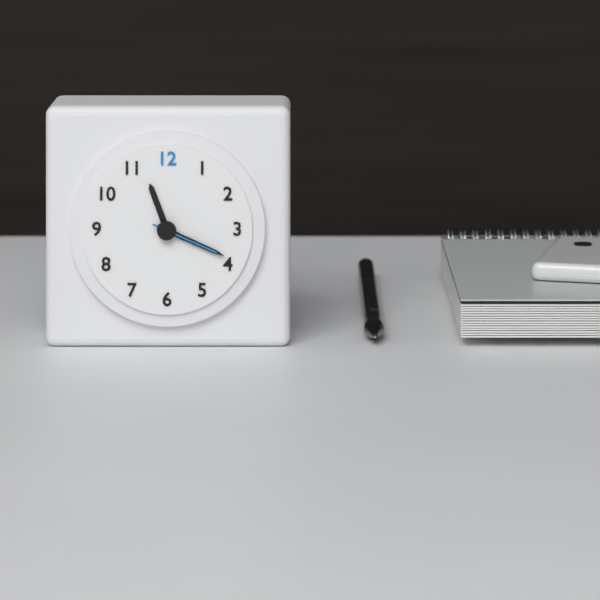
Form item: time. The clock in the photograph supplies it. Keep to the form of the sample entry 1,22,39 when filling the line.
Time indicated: 11,19,19
